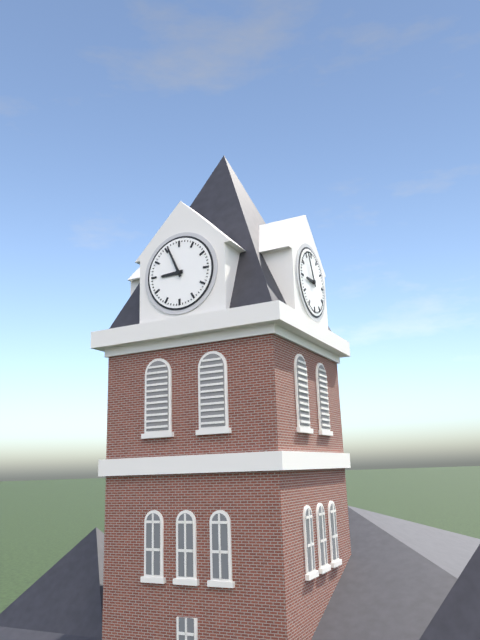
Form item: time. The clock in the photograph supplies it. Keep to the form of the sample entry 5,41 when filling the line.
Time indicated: 8,56
